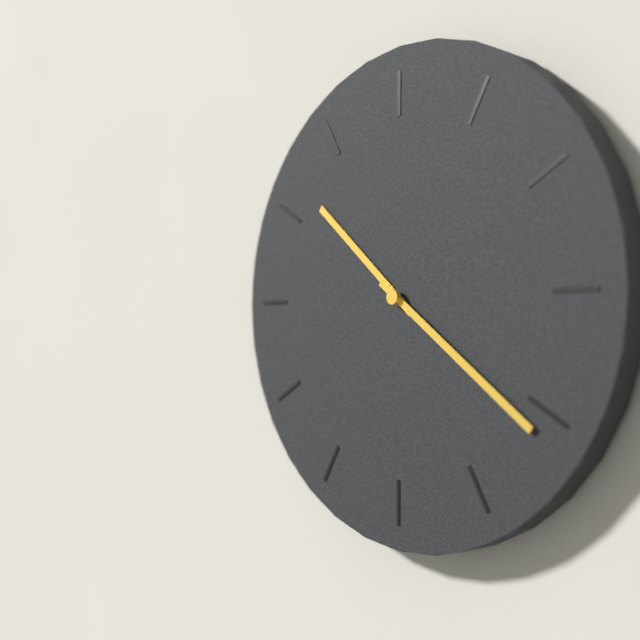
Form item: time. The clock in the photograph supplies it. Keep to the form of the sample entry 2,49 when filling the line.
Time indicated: 10,21
